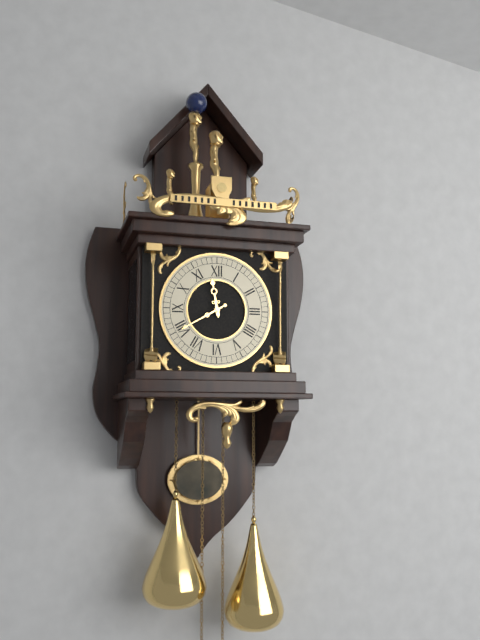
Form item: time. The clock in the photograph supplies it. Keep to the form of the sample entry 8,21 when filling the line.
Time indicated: 11,40
